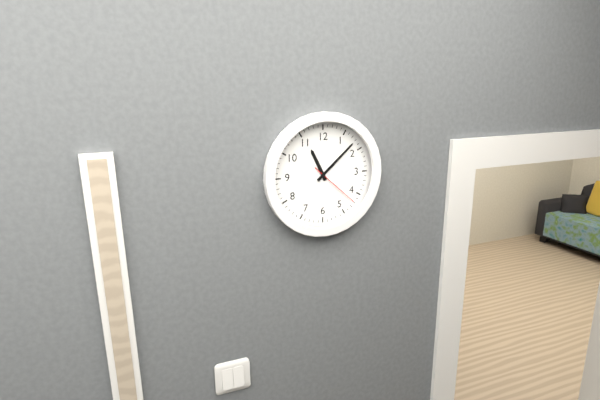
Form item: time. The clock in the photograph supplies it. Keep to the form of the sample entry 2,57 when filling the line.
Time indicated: 11,08
